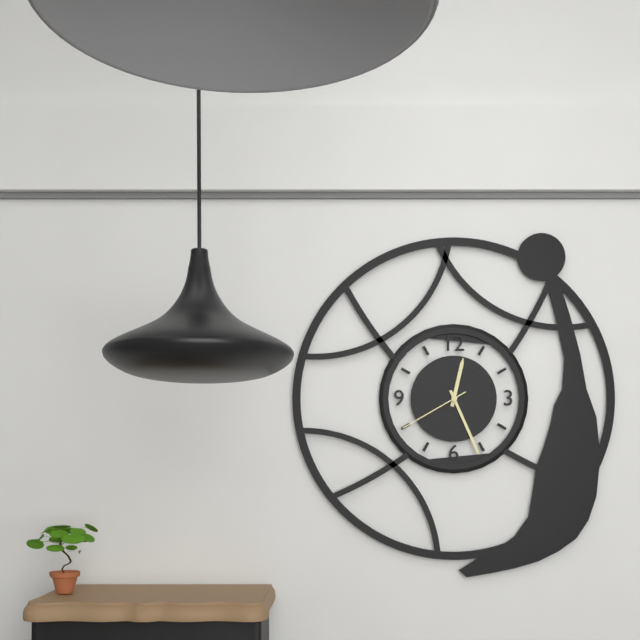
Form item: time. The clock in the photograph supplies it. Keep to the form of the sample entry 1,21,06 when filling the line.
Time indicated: 12,26,40
